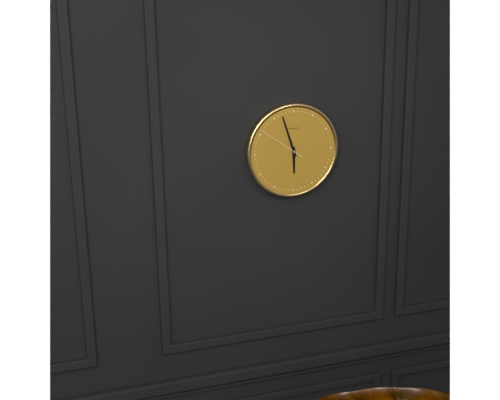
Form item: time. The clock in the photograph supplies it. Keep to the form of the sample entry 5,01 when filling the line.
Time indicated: 5,57
